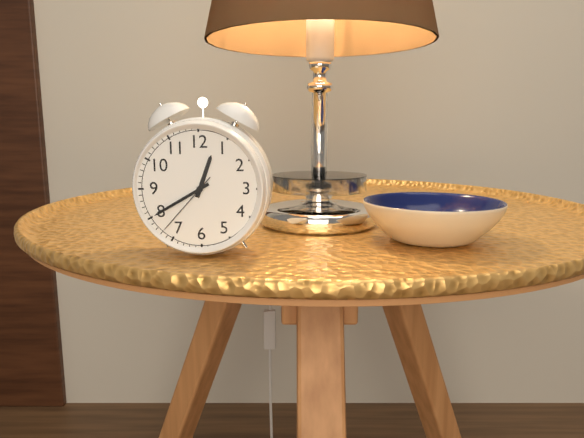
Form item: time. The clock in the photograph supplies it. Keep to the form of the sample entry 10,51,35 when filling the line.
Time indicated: 12,40,37
